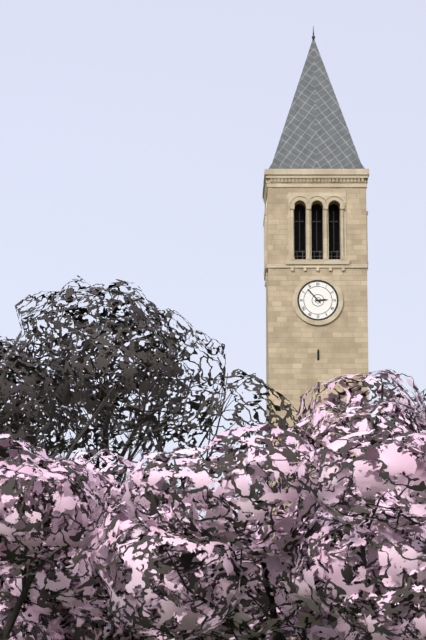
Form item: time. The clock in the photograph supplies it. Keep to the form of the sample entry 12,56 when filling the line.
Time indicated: 2,53
